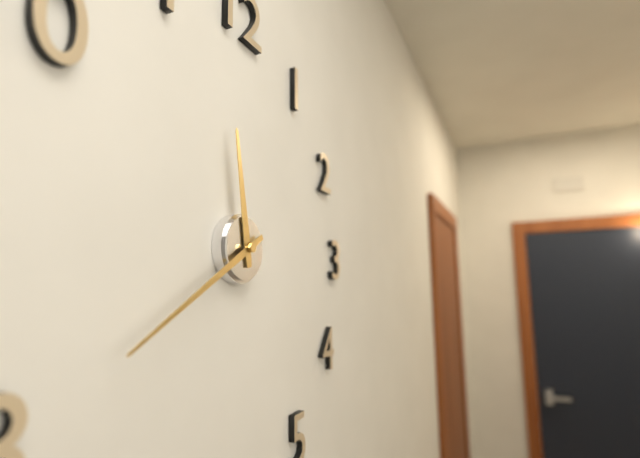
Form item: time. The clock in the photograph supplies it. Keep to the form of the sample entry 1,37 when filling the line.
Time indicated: 11,40
